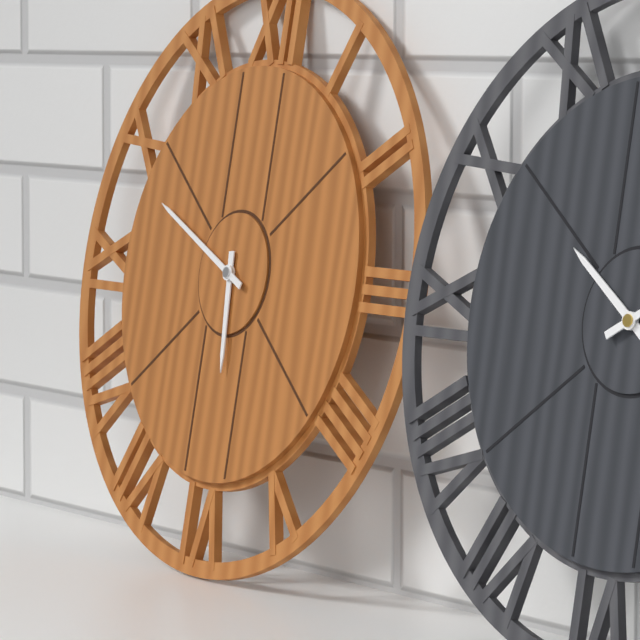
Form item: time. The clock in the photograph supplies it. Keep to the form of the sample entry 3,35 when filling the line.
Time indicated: 5,49
